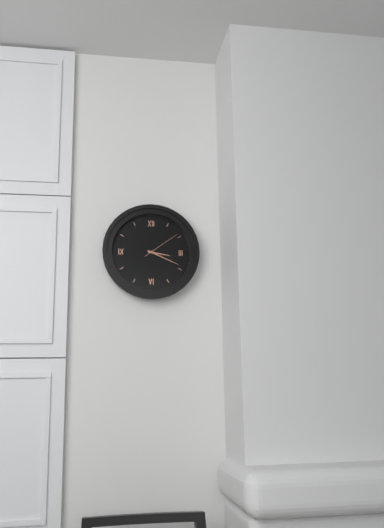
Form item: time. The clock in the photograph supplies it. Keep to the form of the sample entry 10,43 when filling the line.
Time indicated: 3,19
